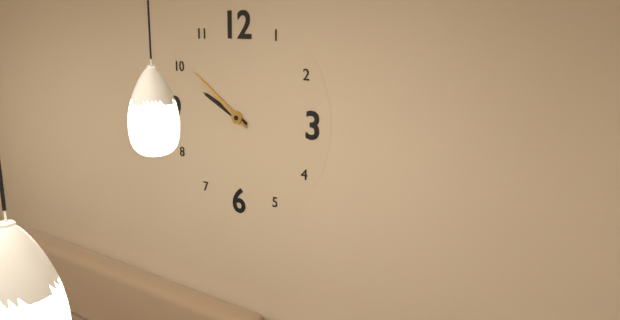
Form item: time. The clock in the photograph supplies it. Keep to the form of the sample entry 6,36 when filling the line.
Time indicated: 9,51
